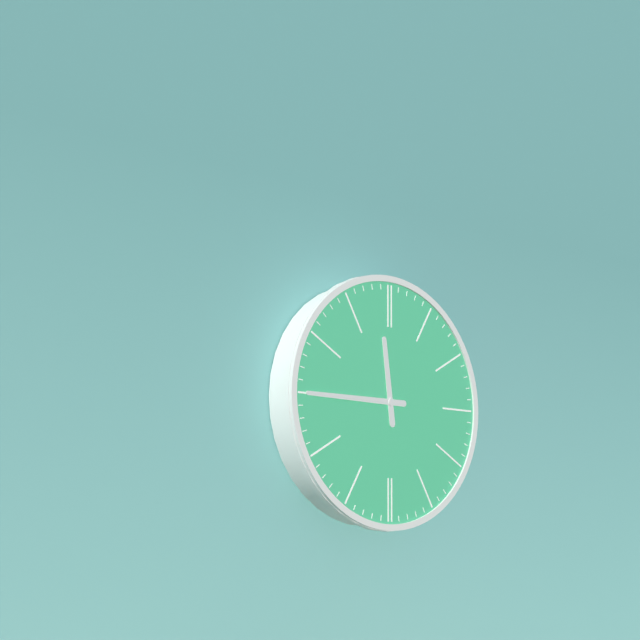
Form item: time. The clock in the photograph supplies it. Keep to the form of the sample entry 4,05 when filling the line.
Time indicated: 11,45
